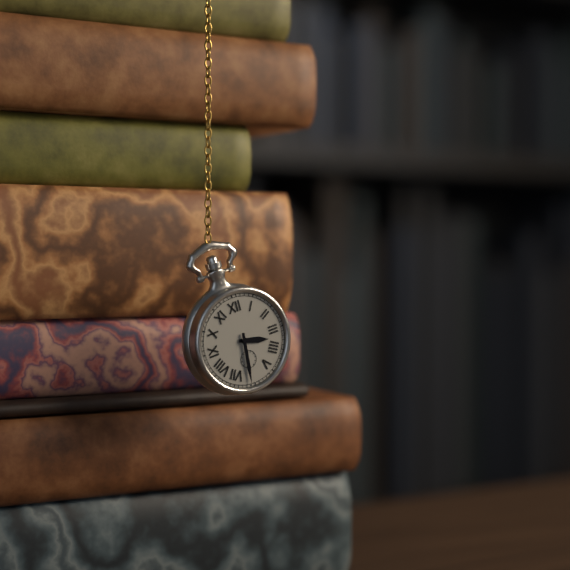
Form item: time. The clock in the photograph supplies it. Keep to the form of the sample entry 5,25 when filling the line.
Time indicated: 3,31
